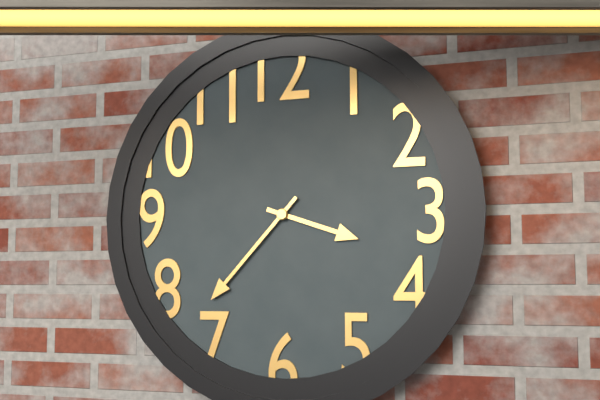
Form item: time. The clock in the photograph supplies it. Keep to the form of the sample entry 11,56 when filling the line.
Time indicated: 3,37
